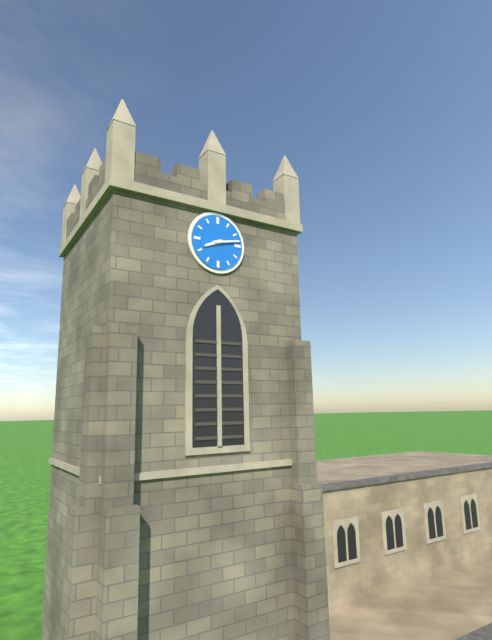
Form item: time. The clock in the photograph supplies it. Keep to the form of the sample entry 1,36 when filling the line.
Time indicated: 8,13
